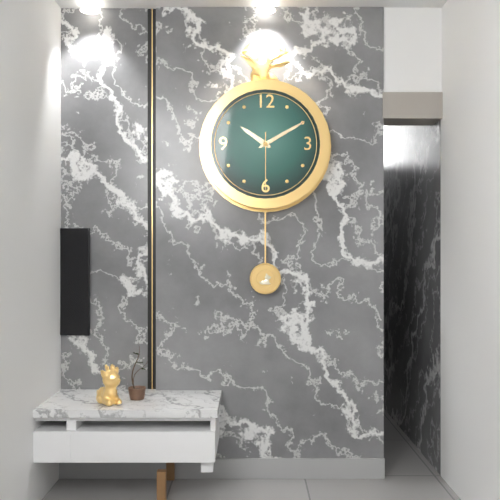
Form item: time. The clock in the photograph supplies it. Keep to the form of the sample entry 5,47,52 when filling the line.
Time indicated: 10,10,30
